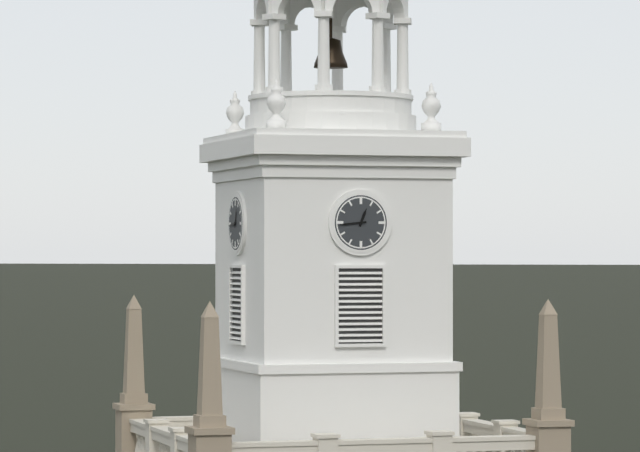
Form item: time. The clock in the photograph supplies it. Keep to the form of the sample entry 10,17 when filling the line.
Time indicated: 12,44
